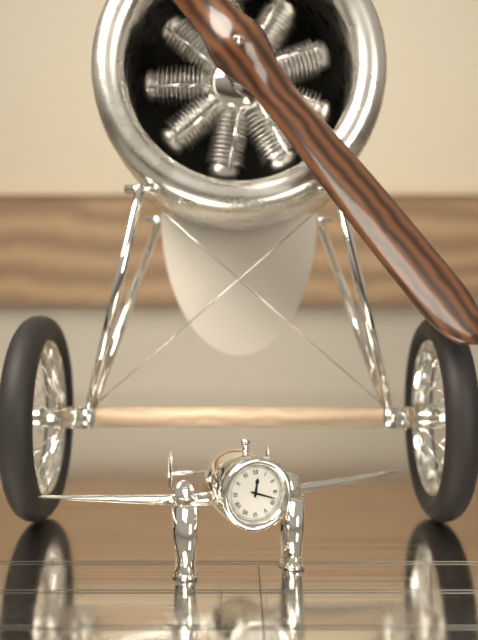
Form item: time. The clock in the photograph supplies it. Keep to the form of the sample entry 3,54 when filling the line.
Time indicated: 12,18
